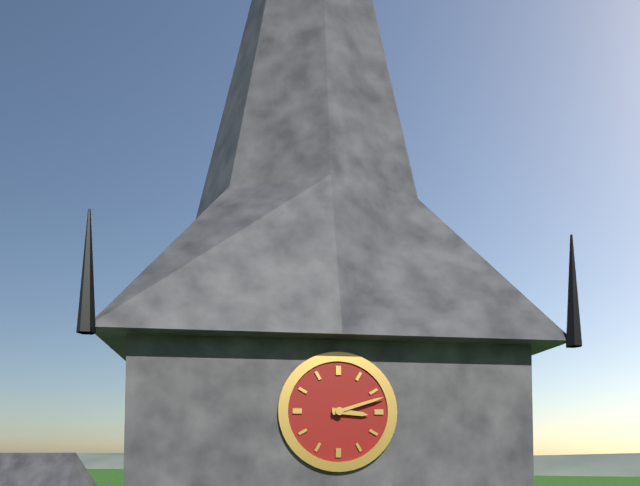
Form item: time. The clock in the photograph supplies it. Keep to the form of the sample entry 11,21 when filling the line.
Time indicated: 3,12
